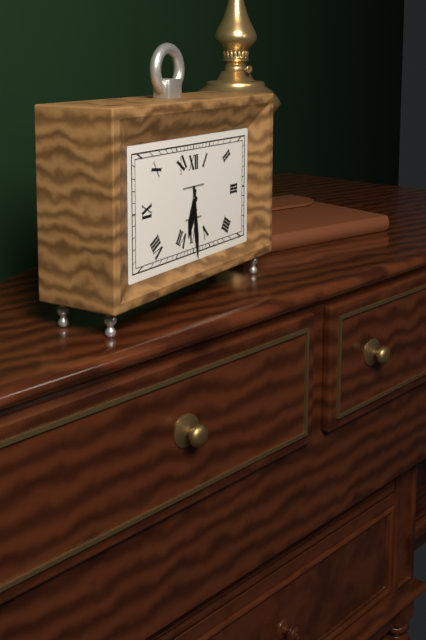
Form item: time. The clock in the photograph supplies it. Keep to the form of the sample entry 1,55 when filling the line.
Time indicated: 6,29
